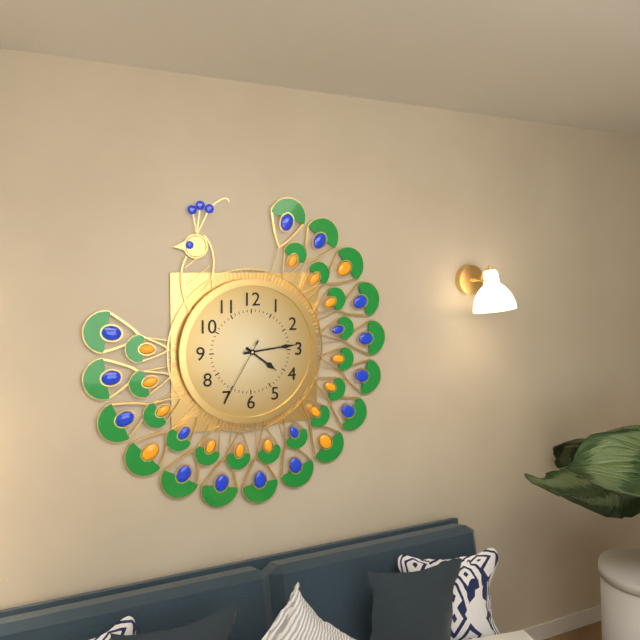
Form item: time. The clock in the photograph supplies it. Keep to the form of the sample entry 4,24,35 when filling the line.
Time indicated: 4,14,35
